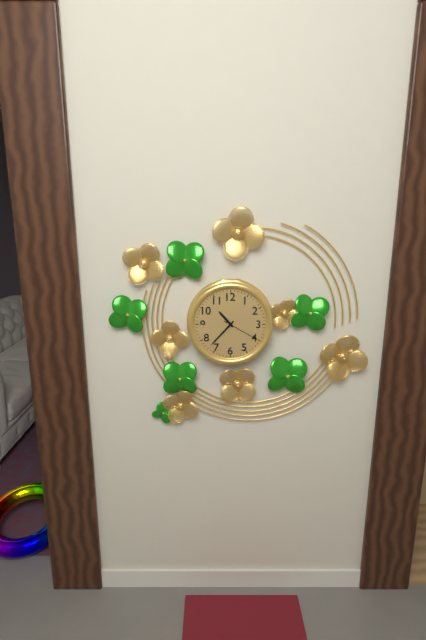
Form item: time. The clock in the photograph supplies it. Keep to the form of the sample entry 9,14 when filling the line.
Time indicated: 10,37
